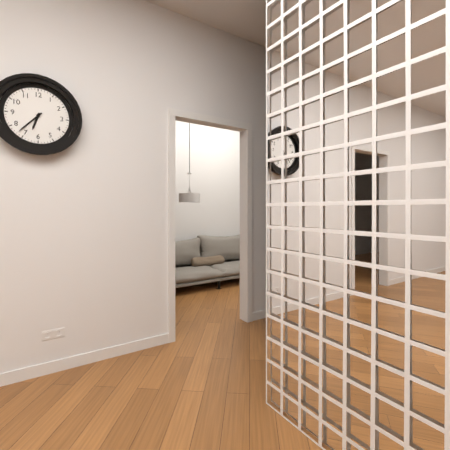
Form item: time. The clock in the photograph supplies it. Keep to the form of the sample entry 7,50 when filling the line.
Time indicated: 6,37
